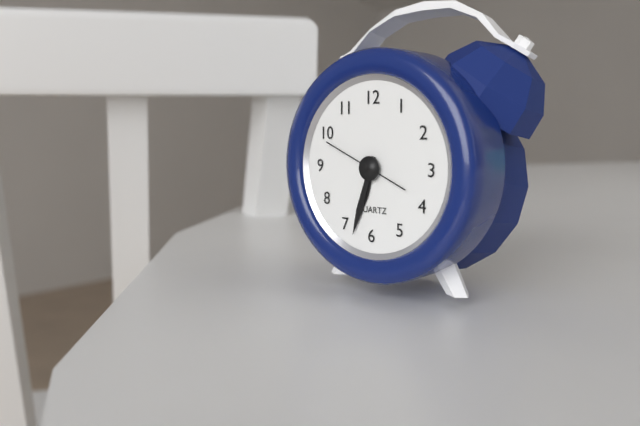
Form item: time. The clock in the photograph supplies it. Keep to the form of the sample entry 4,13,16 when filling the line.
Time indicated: 6,33,49
